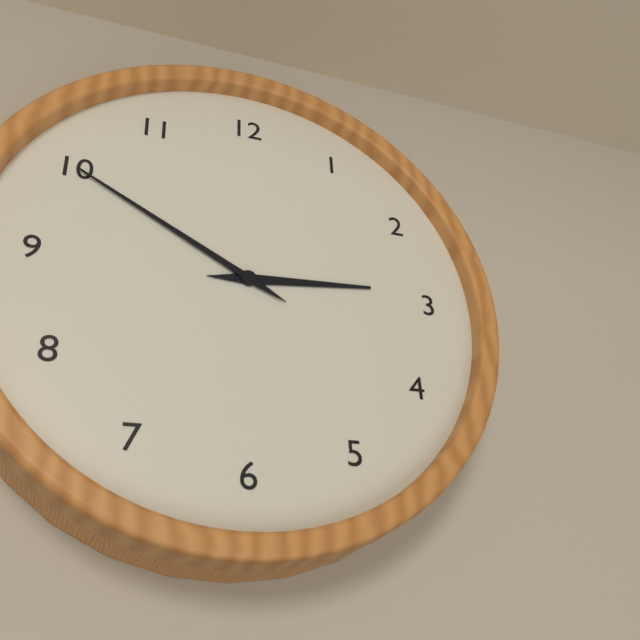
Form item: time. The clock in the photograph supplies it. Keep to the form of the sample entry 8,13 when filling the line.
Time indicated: 2,50
